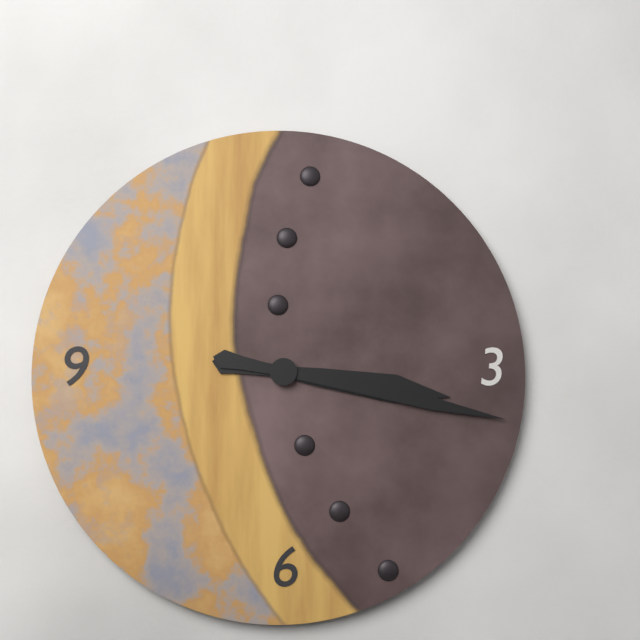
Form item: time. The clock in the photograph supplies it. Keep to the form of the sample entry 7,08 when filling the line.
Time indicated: 3,17
